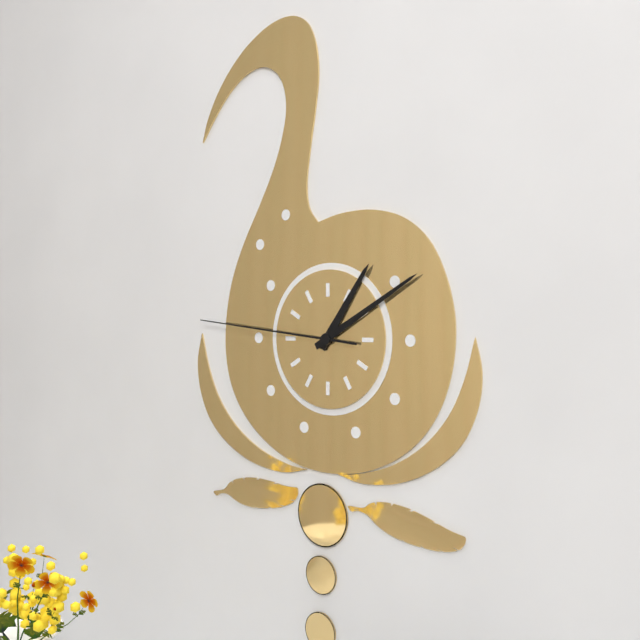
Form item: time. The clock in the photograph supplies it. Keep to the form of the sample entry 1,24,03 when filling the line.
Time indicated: 1,10,46
